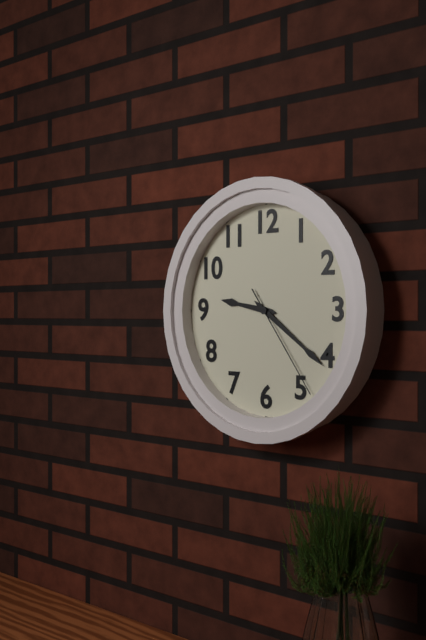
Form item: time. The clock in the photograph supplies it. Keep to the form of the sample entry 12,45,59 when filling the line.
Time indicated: 9,21,24
